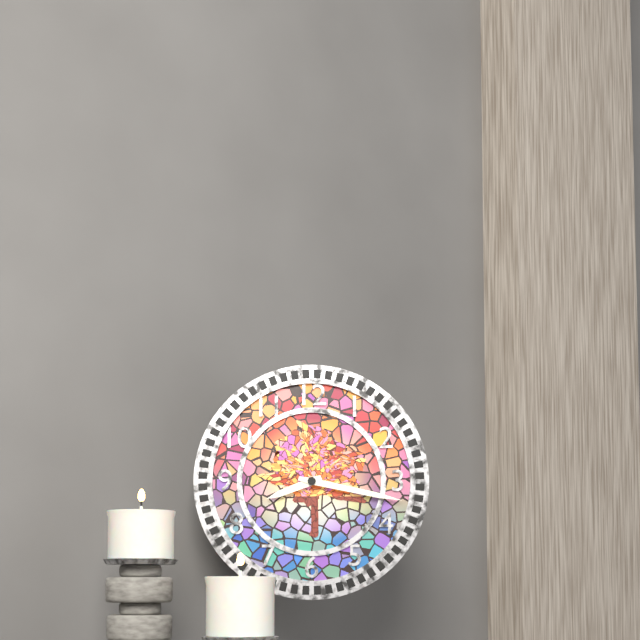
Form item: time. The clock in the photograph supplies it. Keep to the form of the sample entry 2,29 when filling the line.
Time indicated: 8,17
